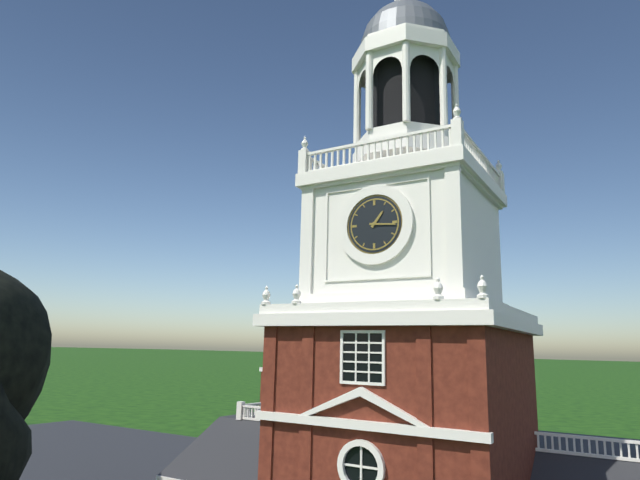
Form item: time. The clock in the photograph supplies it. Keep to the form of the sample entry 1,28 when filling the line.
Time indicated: 1,16
